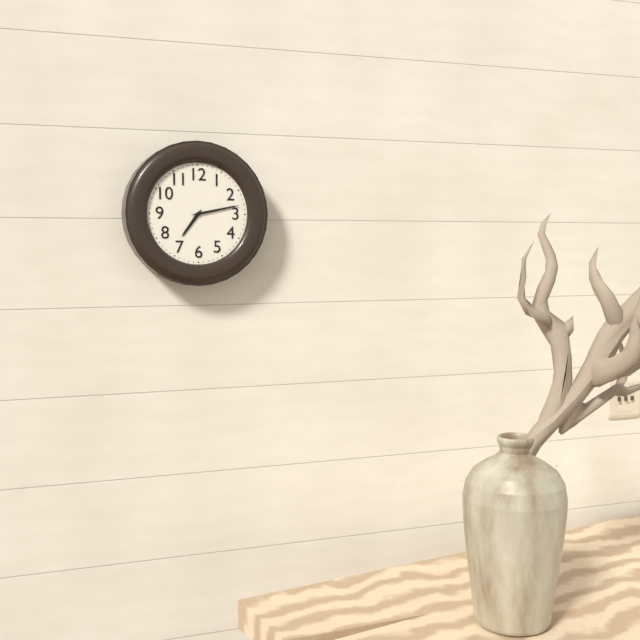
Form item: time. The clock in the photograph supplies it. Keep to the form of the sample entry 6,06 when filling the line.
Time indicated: 7,13
